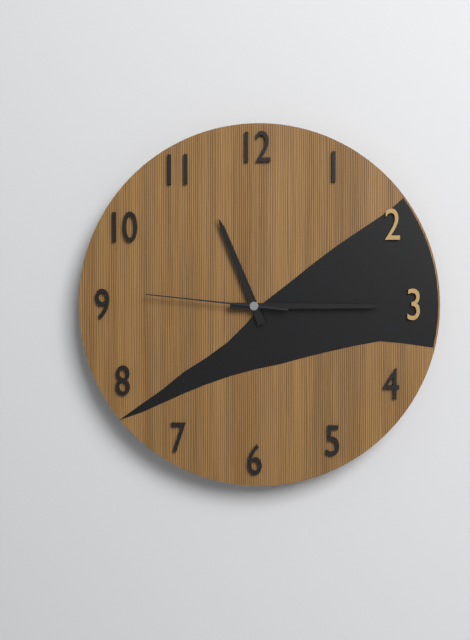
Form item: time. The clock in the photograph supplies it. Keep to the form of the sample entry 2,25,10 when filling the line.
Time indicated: 11,15,46
